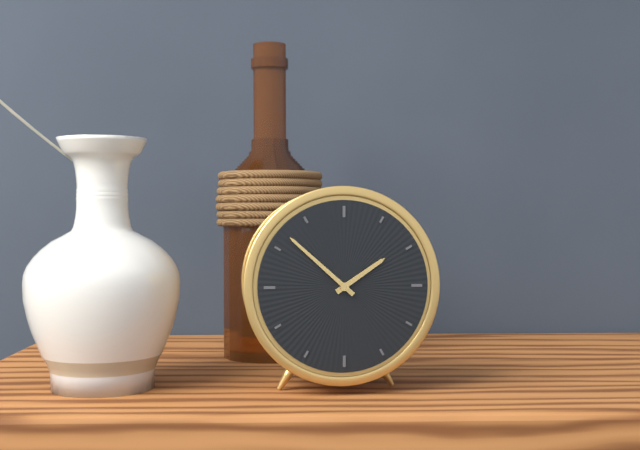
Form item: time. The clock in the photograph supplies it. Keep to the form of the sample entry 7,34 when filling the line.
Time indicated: 1,52
